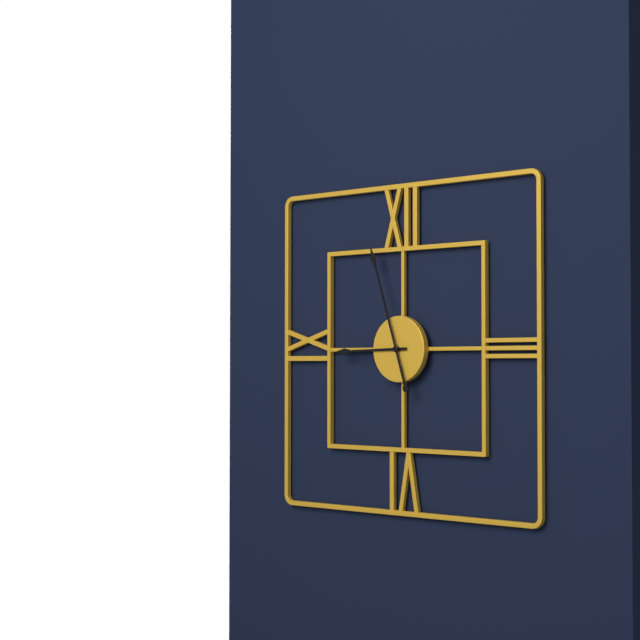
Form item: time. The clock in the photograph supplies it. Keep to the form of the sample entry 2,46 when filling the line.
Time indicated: 8,57
